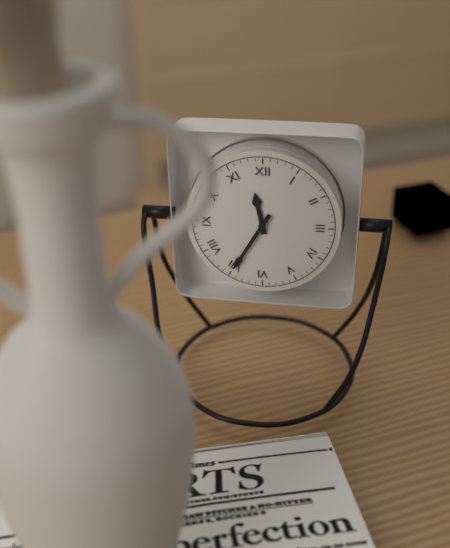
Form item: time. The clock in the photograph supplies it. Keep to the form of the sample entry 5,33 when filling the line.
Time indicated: 11,35
